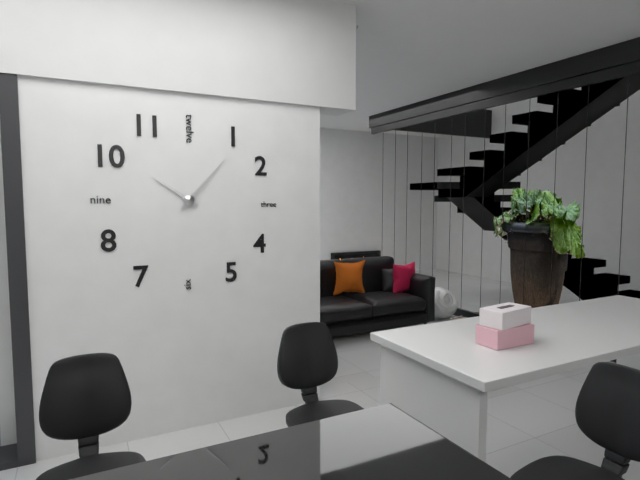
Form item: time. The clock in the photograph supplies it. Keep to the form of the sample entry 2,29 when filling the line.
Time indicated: 10,07
